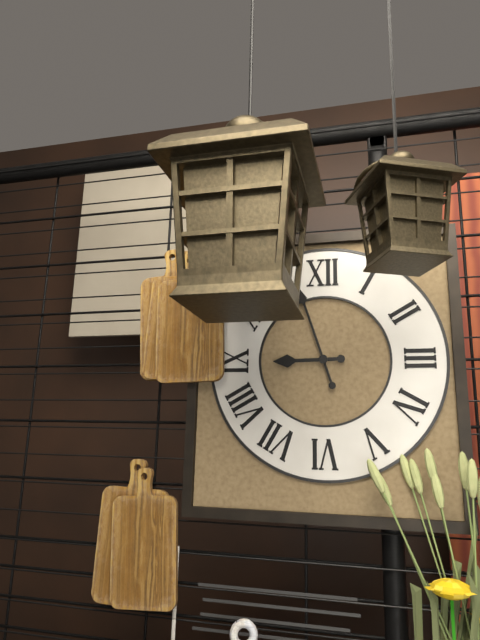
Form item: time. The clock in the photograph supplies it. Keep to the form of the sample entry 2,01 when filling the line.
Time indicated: 8,57
